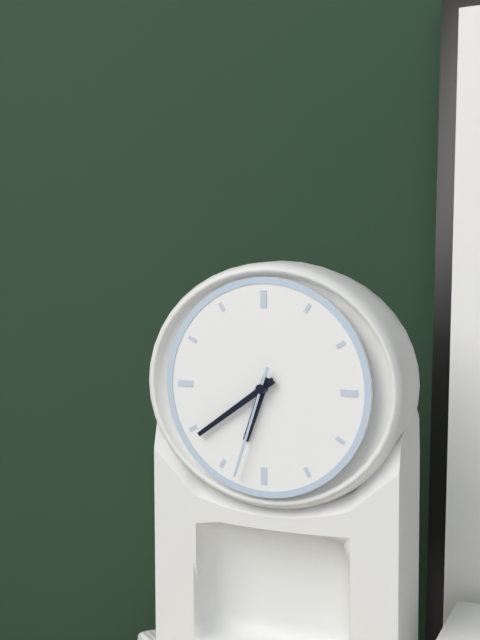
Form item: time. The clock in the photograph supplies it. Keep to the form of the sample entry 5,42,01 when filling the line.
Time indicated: 6,39,33
